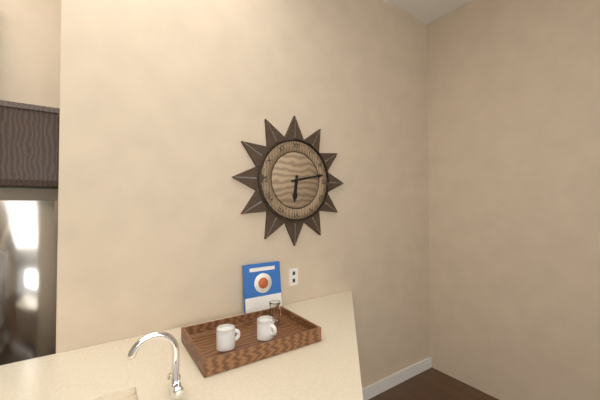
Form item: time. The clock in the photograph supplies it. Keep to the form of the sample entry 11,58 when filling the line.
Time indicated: 6,13
